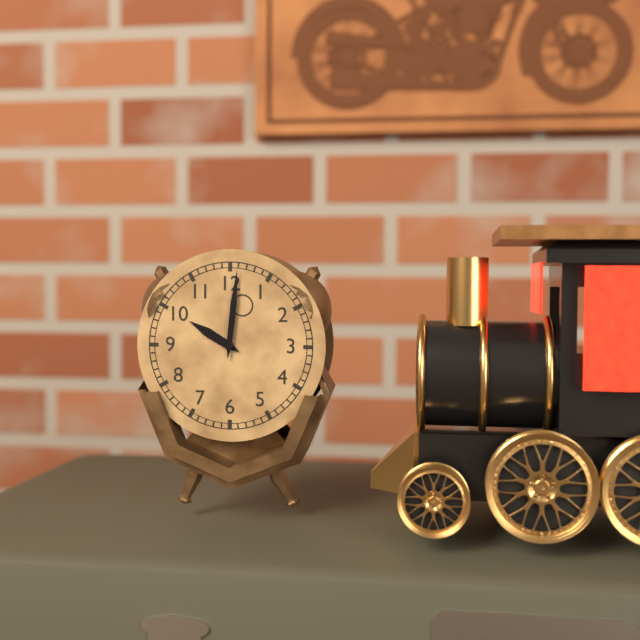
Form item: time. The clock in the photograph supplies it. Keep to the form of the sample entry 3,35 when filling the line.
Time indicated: 10,01
